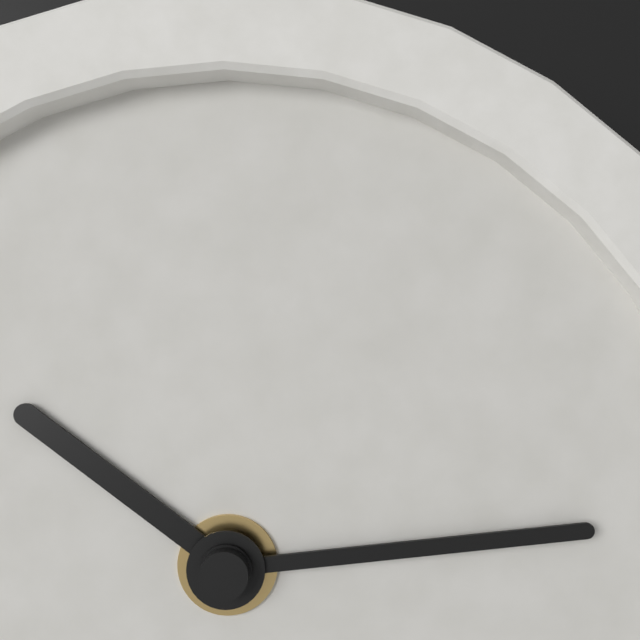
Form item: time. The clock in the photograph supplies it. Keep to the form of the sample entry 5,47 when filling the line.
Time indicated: 10,14
